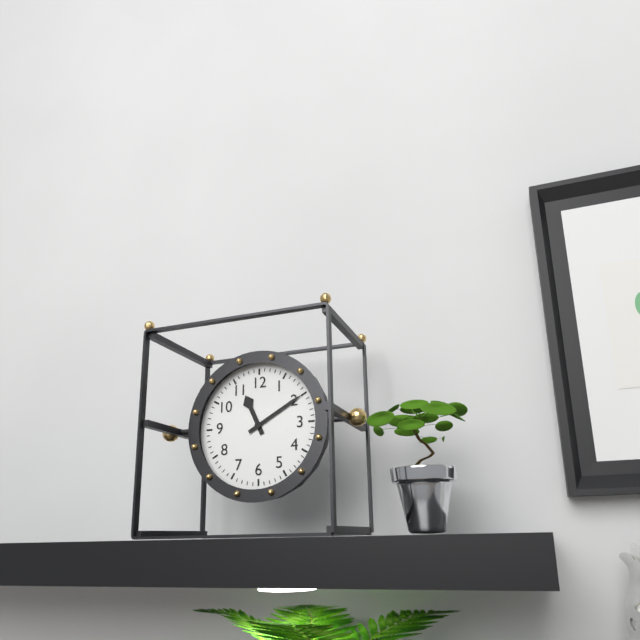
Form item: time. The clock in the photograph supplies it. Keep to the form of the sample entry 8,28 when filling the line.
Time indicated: 11,10
